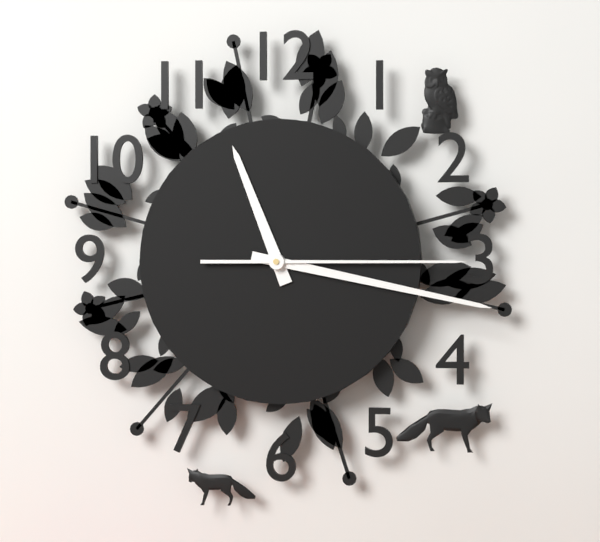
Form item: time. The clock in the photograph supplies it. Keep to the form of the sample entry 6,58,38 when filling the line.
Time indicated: 11,17,15
